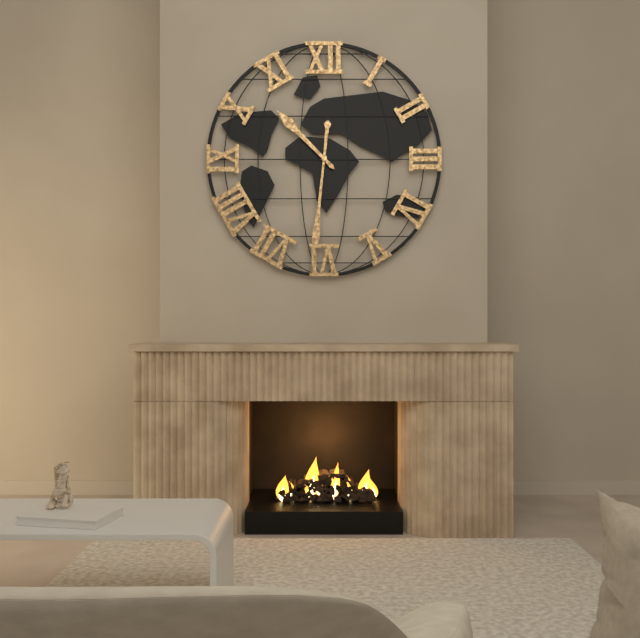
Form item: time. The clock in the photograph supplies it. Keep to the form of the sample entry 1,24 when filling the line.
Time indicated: 10,31
